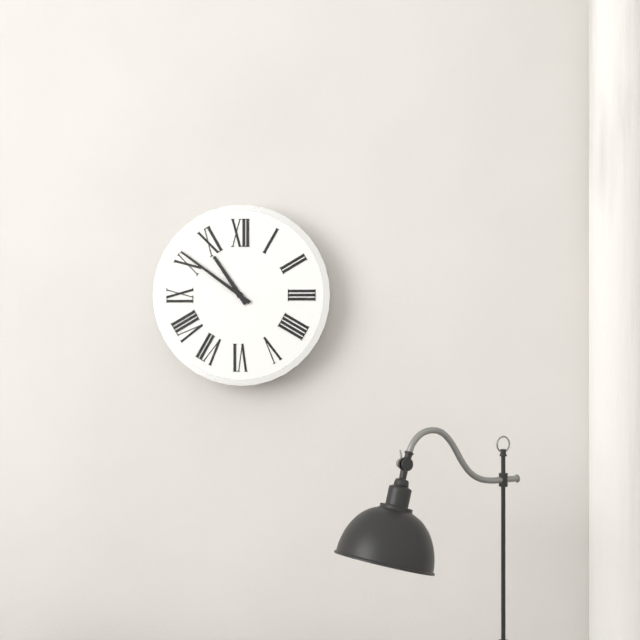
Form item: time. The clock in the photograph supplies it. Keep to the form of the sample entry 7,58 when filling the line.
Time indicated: 10,51
